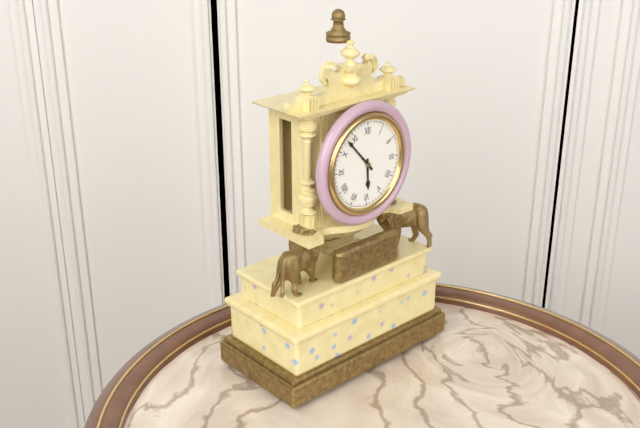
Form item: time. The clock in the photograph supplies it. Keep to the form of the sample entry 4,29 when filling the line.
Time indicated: 5,53
